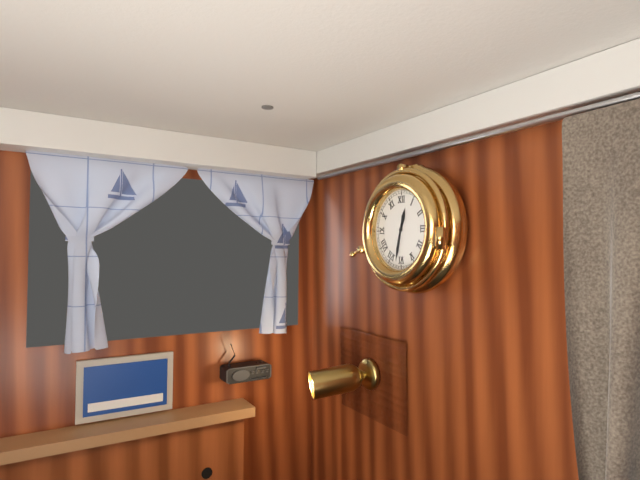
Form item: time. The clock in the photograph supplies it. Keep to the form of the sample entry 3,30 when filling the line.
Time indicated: 12,32
